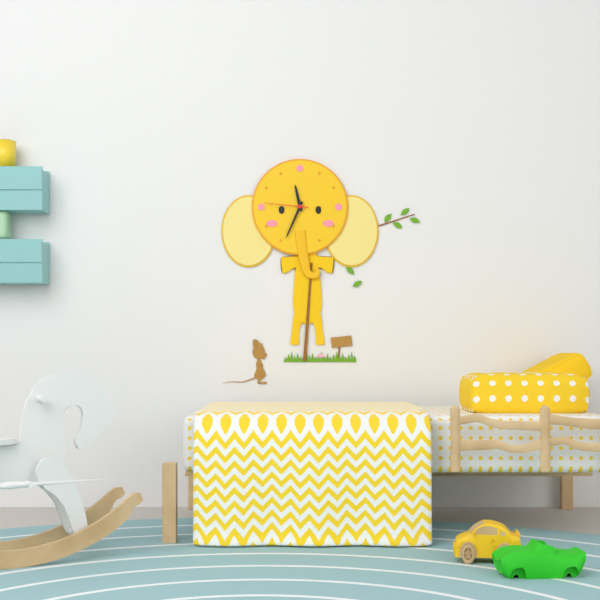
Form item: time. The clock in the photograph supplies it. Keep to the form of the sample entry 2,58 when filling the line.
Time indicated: 11,34
